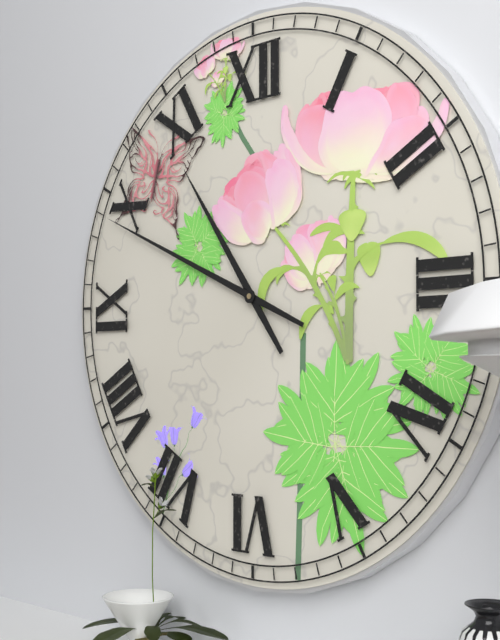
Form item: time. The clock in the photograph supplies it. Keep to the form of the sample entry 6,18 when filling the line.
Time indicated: 10,49
